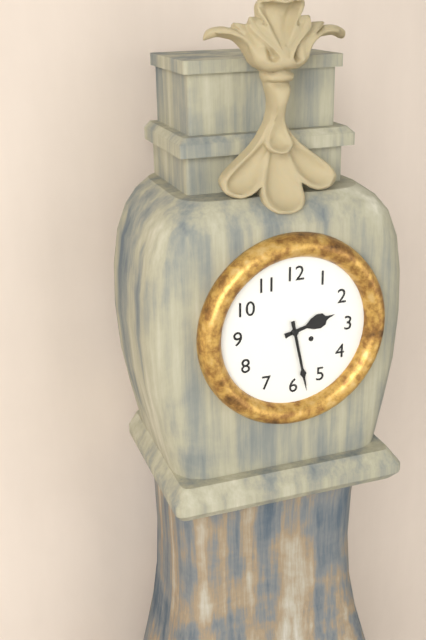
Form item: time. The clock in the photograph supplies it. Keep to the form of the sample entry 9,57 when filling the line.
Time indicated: 2,28
